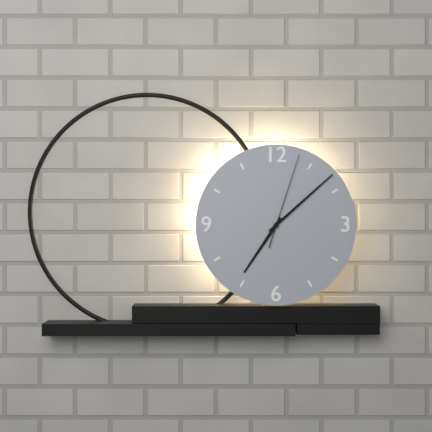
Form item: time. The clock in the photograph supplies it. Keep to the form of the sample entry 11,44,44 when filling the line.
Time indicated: 7,08,03
